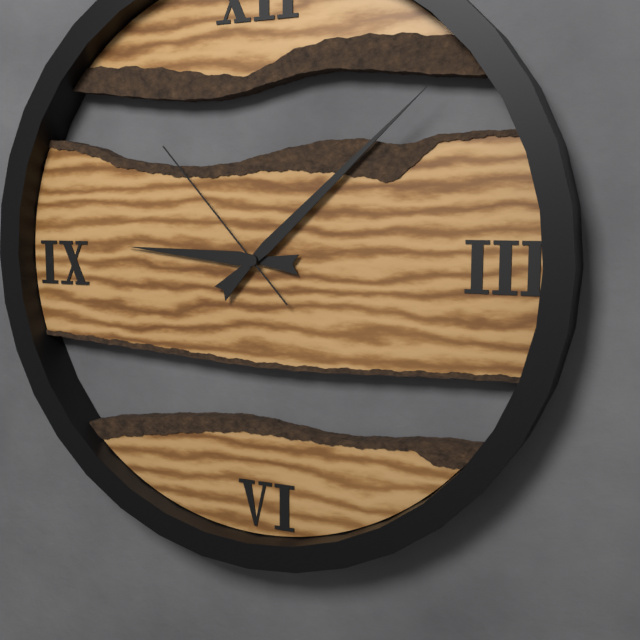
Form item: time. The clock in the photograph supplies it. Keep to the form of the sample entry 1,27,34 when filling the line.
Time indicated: 9,08,53
